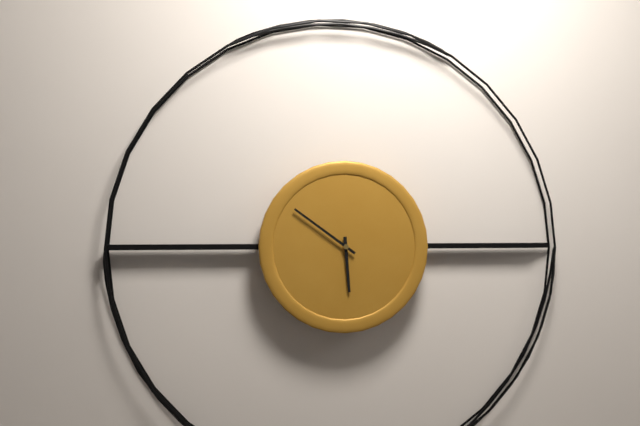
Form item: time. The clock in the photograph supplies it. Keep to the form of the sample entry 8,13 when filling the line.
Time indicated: 5,51
